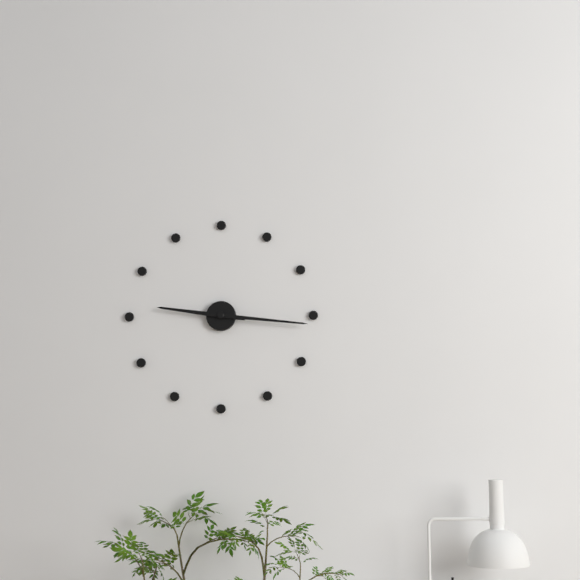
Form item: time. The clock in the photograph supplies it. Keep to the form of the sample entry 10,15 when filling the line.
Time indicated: 9,16
